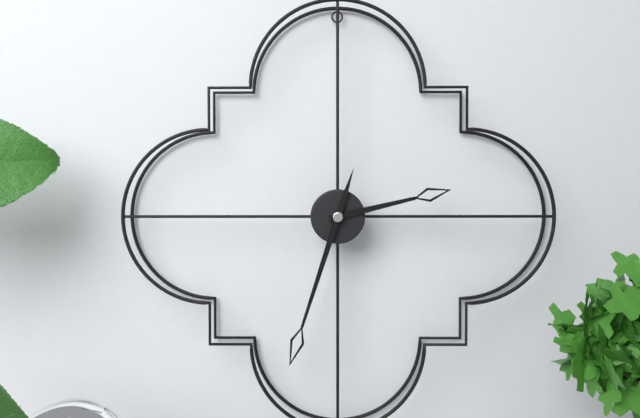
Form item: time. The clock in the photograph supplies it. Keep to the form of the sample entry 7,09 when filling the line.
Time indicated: 2,33
